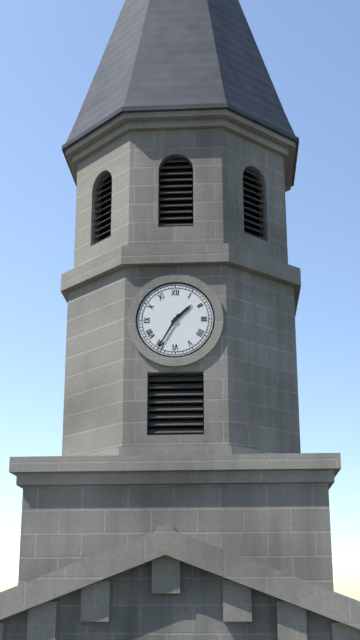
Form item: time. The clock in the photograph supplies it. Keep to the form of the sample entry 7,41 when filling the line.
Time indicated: 1,35
